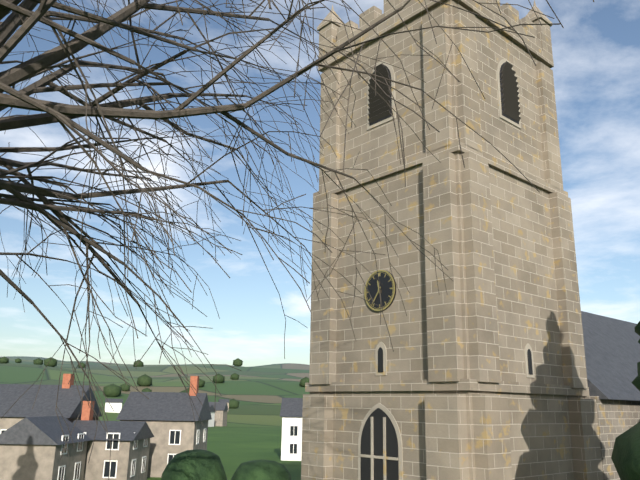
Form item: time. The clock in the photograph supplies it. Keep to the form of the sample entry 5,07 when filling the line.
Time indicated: 11,36
